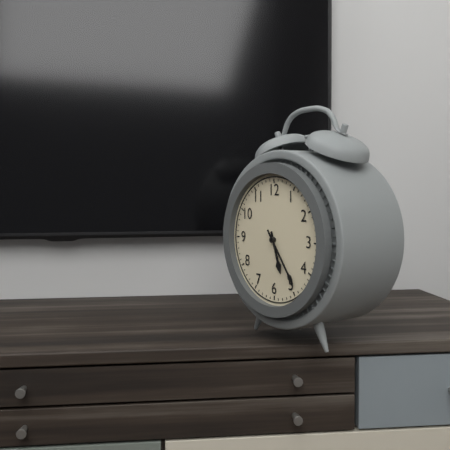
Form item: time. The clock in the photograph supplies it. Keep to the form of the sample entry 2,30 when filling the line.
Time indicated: 5,24
